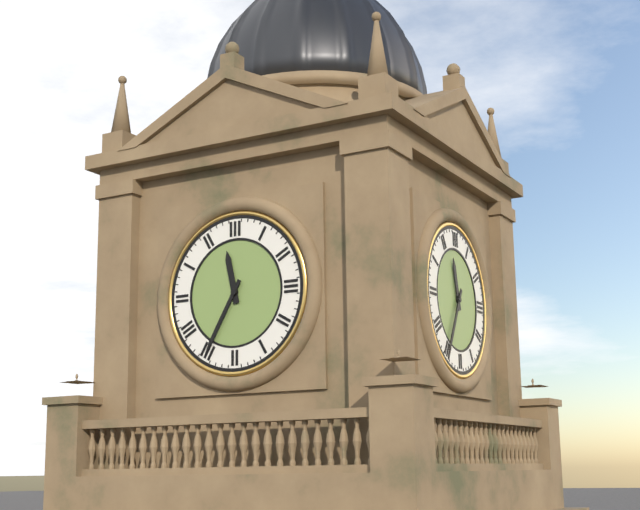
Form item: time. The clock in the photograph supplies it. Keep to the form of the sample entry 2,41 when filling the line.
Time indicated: 11,35
